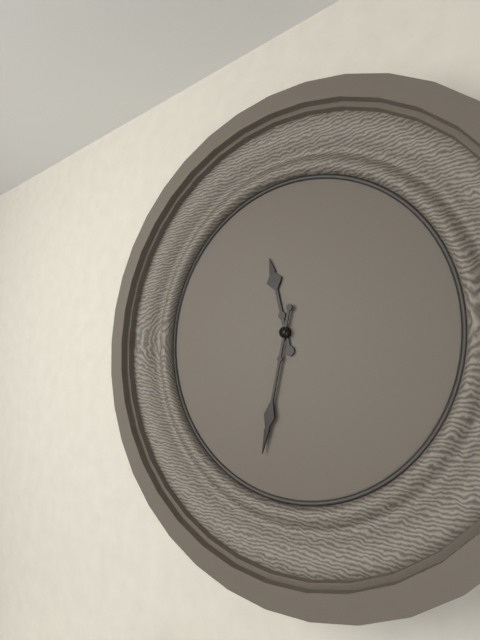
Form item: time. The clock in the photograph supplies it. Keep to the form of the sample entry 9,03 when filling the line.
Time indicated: 11,32
